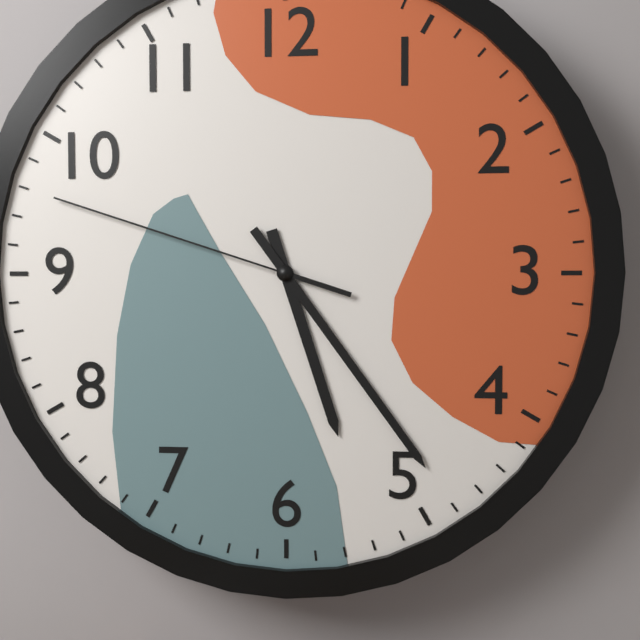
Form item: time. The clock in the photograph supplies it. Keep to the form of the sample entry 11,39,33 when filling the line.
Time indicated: 5,24,48
